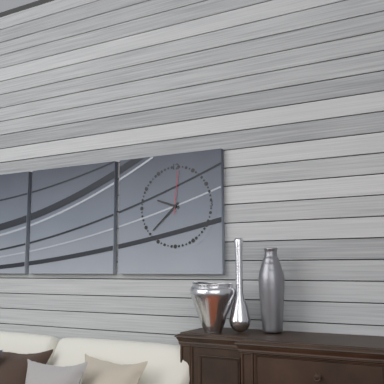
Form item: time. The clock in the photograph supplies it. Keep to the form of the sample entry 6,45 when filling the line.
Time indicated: 9,38
